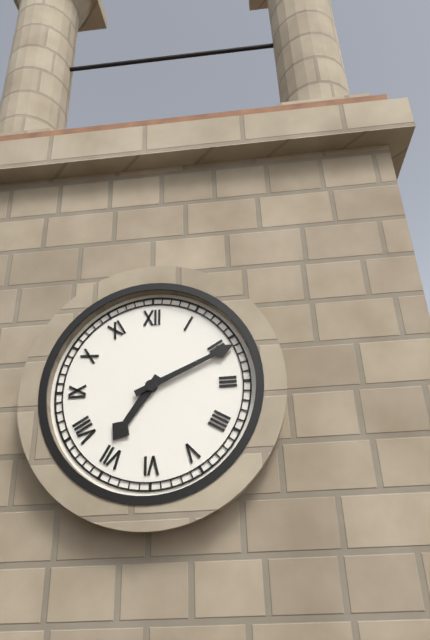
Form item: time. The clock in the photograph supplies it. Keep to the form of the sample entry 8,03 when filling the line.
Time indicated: 7,11
